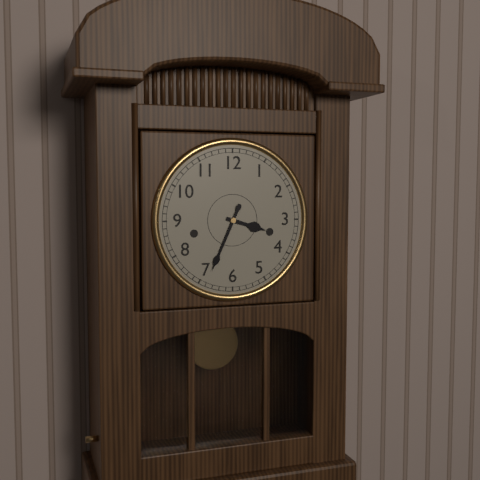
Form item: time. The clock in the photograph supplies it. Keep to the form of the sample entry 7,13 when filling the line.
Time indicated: 3,34
